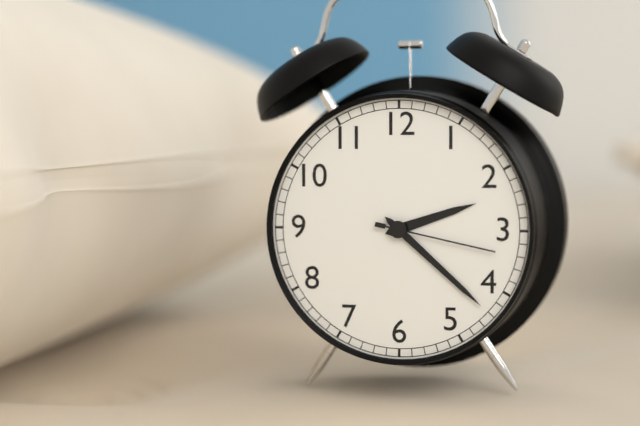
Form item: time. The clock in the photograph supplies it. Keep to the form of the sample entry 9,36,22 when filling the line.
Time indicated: 2,22,17
